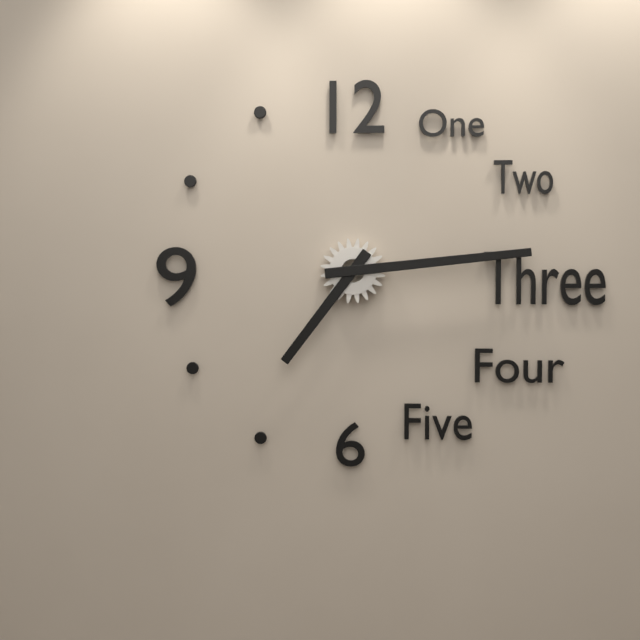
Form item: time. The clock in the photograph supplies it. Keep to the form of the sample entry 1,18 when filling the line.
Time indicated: 7,14
